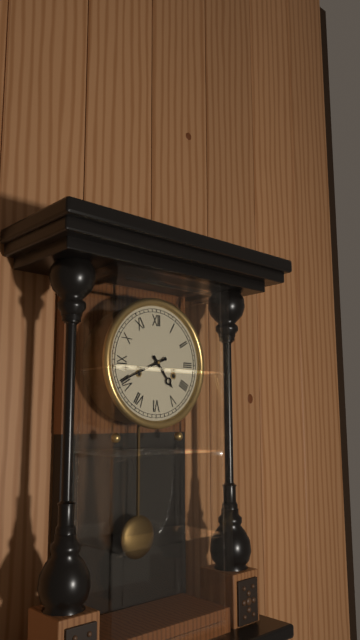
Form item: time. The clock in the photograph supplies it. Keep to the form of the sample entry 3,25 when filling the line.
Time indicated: 4,41
